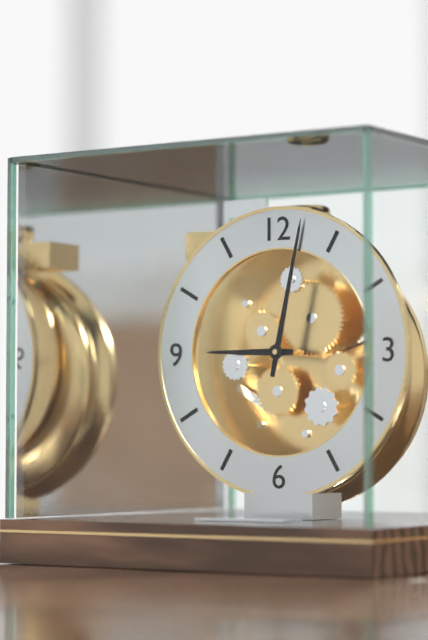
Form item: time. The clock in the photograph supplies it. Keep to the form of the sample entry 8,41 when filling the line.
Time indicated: 9,02
